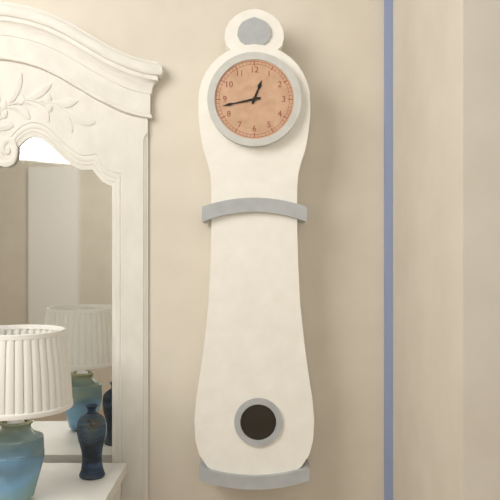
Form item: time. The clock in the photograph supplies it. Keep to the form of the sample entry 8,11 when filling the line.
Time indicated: 12,43
